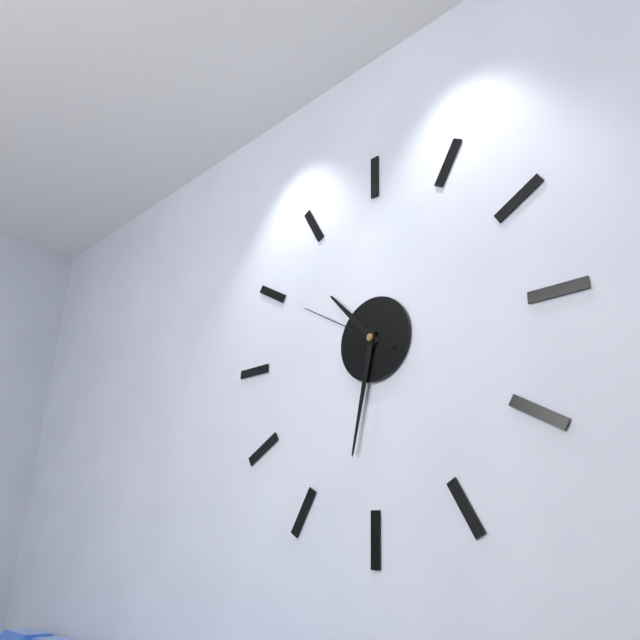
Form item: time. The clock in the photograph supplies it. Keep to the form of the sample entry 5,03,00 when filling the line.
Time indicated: 10,32,50
